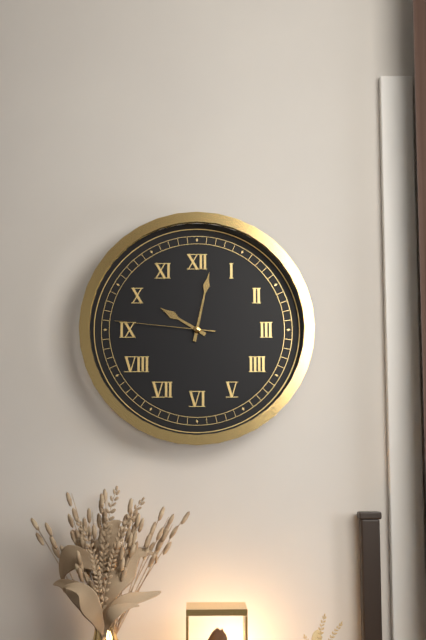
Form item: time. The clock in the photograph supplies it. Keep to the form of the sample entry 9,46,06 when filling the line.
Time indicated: 10,02,46
